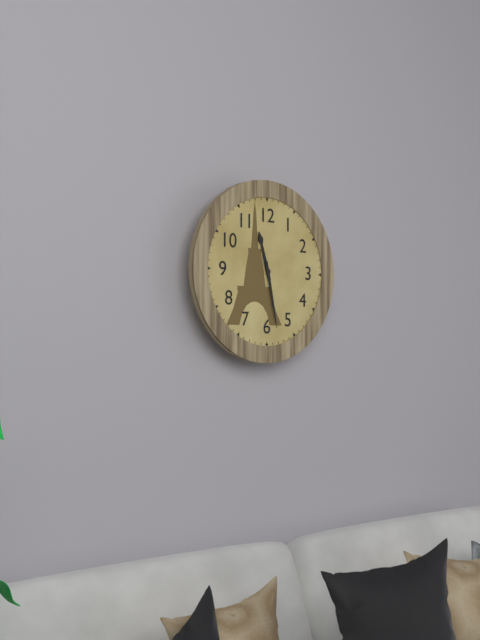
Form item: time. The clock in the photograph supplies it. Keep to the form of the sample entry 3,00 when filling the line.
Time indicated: 11,28
